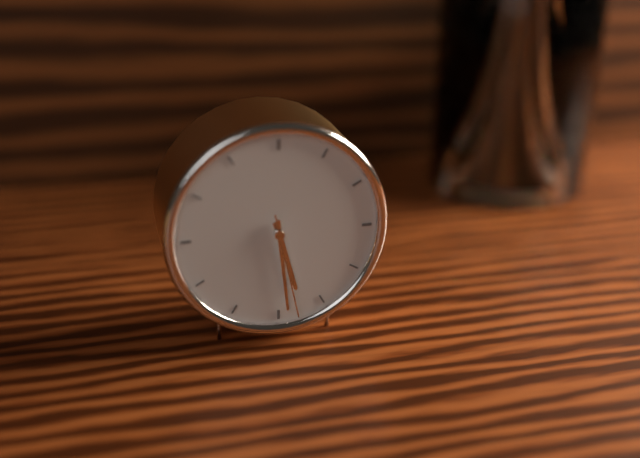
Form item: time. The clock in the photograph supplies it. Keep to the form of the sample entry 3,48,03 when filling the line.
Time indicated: 5,29,28
